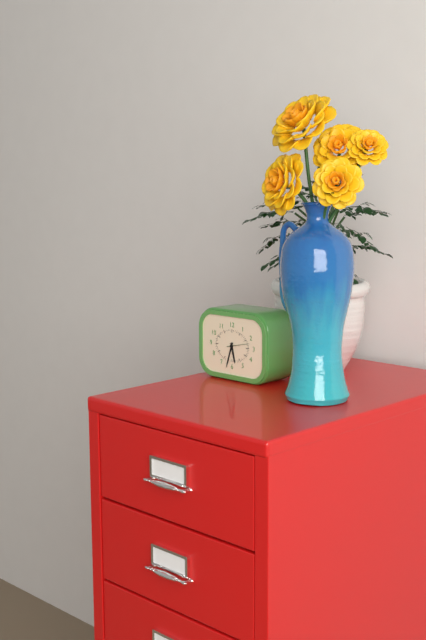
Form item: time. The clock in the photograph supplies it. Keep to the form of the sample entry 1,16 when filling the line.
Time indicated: 5,33
